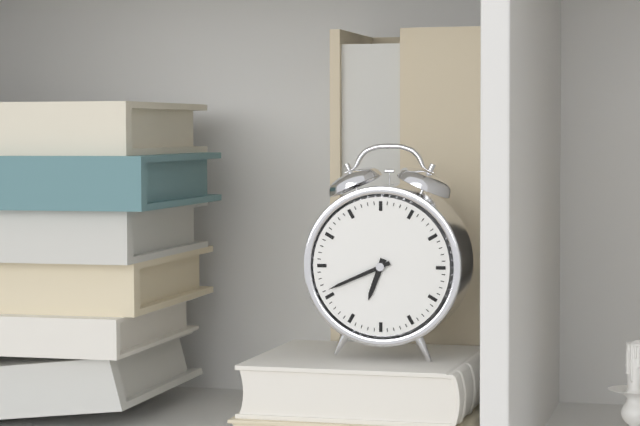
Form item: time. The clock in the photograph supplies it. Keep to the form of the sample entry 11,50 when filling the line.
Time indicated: 6,41
